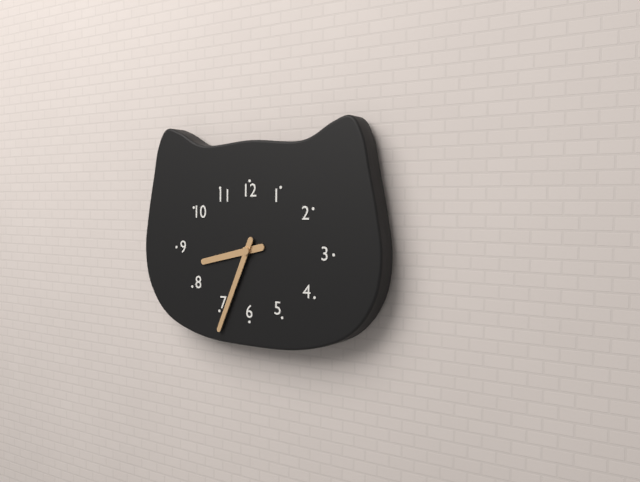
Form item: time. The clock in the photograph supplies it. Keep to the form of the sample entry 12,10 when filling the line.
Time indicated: 8,34
